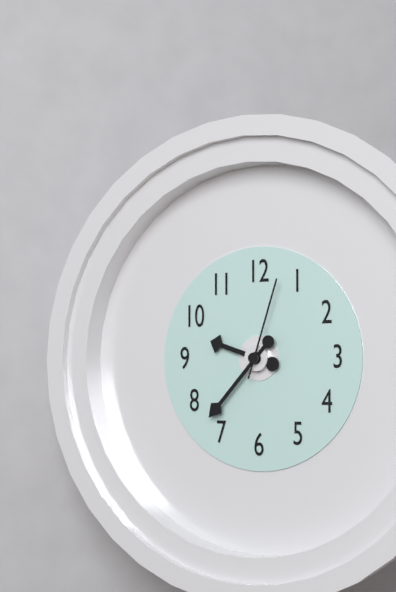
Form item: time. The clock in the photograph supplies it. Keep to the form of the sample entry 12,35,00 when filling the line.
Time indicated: 9,37,03
